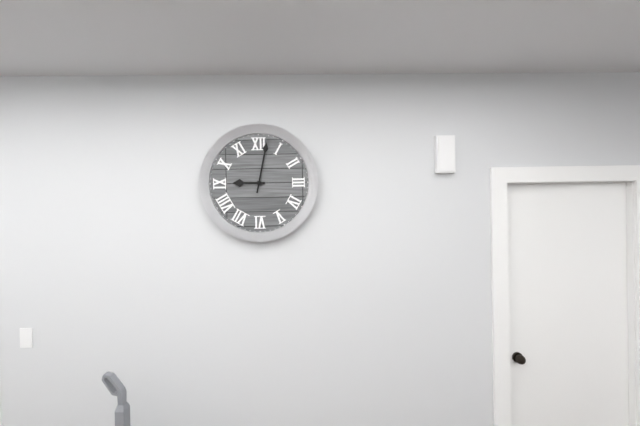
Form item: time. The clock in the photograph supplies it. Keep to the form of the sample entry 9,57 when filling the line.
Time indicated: 9,02
